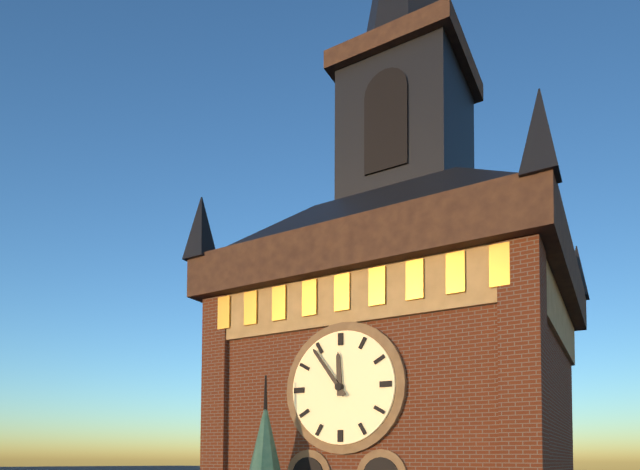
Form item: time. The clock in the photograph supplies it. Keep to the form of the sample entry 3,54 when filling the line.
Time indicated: 11,54
